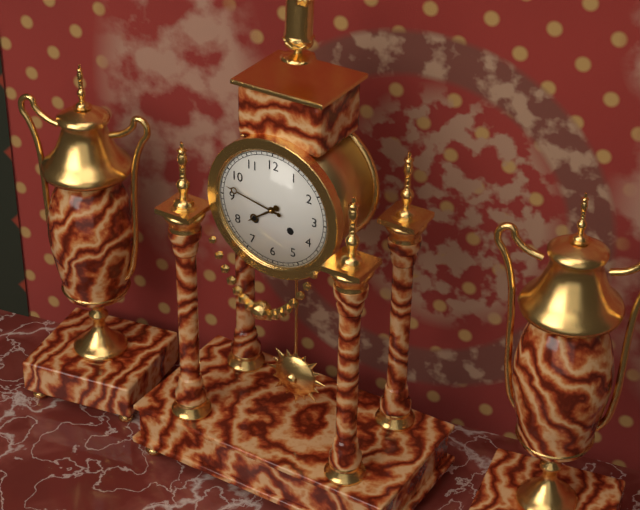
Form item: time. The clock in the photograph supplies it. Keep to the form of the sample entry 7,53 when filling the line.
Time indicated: 7,47
